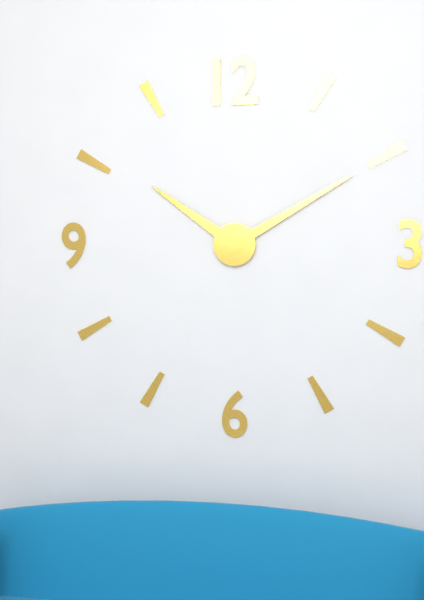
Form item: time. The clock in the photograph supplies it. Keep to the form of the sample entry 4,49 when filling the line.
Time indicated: 10,10
